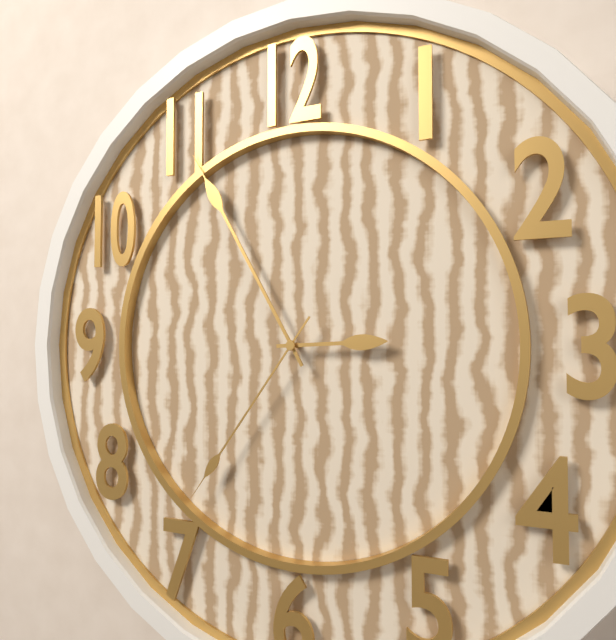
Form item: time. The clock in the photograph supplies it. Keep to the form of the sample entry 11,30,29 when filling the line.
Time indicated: 2,55,36
